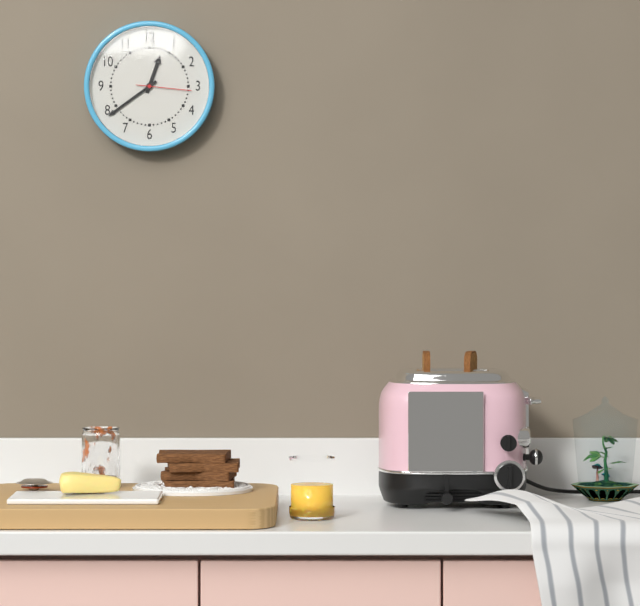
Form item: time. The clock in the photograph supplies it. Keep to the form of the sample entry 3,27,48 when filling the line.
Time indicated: 12,39,16
